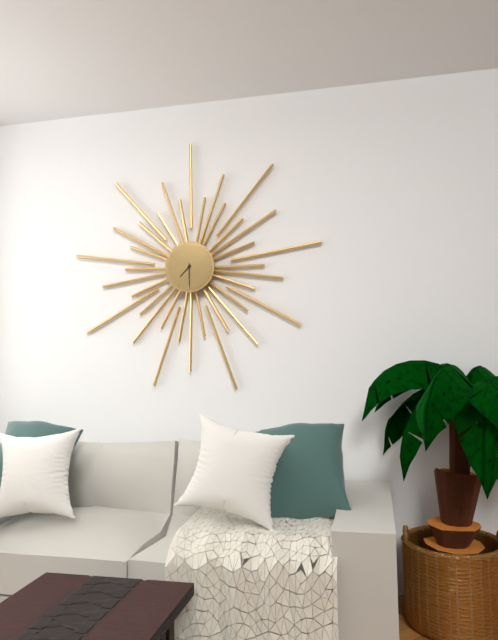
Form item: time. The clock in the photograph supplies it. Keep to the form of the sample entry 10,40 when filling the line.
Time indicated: 7,30
